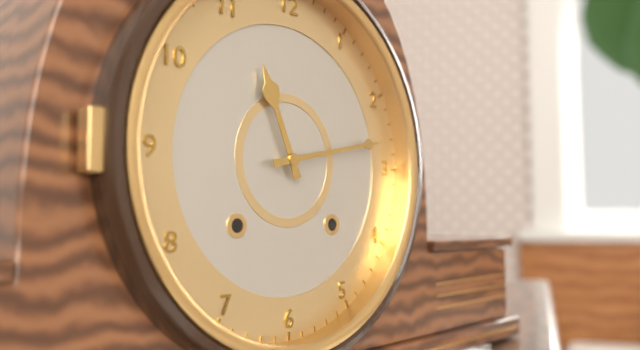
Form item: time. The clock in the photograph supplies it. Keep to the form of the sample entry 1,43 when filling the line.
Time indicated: 11,13
